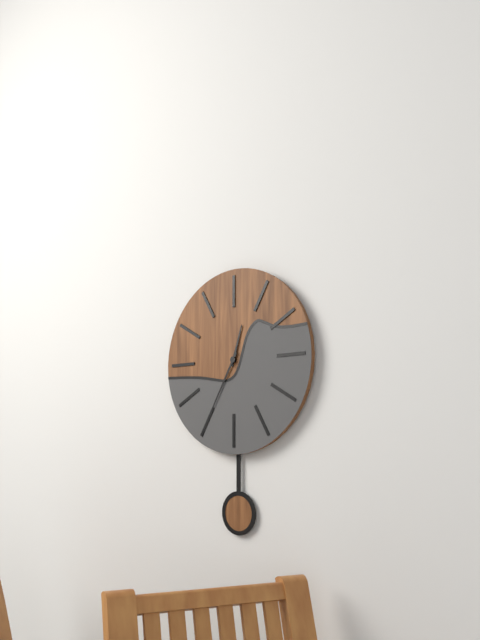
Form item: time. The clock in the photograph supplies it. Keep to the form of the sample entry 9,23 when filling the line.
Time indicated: 12,35
